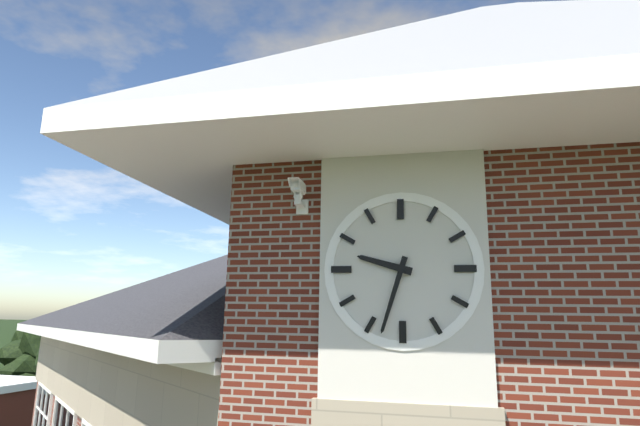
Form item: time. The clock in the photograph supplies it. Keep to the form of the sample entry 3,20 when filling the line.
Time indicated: 9,33
